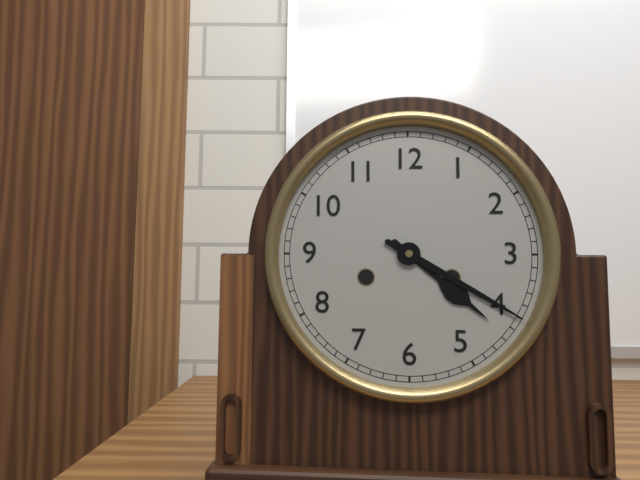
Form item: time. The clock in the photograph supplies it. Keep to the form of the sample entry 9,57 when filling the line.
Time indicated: 4,20
